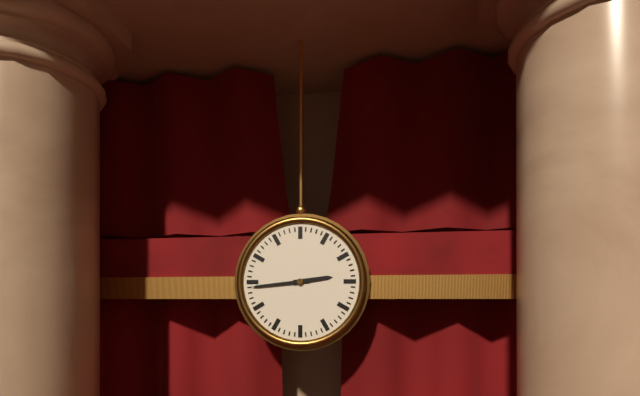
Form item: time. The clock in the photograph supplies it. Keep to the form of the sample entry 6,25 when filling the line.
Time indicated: 2,44
